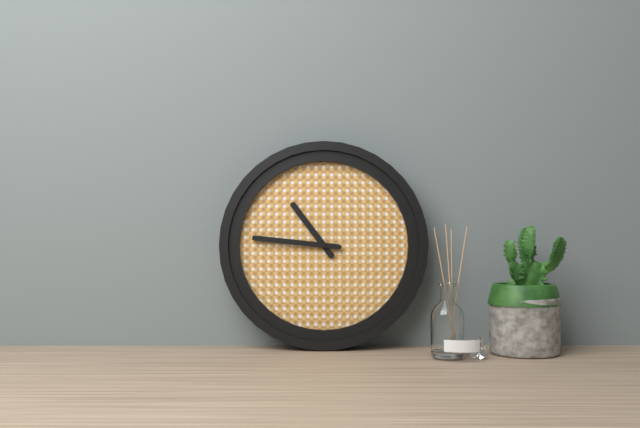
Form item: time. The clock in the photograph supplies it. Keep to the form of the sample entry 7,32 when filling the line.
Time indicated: 10,46
